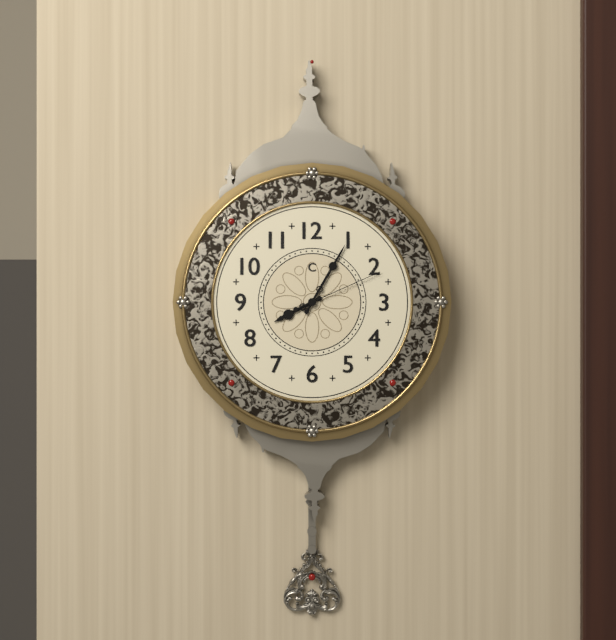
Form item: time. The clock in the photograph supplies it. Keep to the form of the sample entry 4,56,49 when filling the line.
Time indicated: 8,05,11
